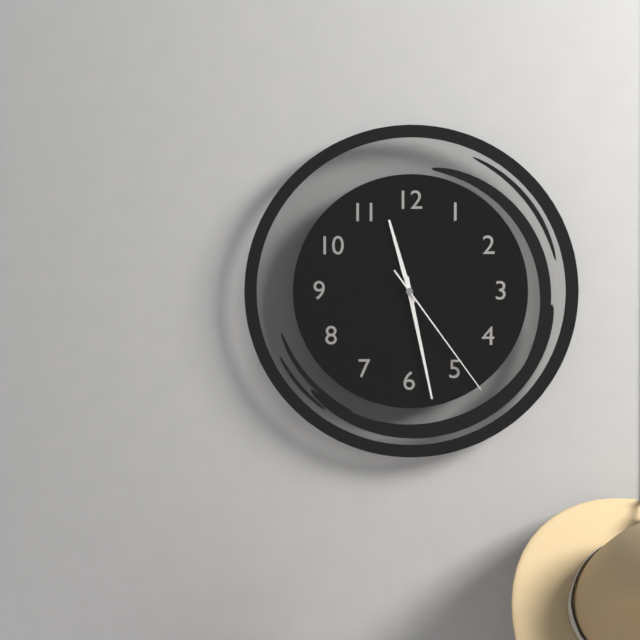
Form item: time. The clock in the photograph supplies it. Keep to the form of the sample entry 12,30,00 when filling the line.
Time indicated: 11,28,24
